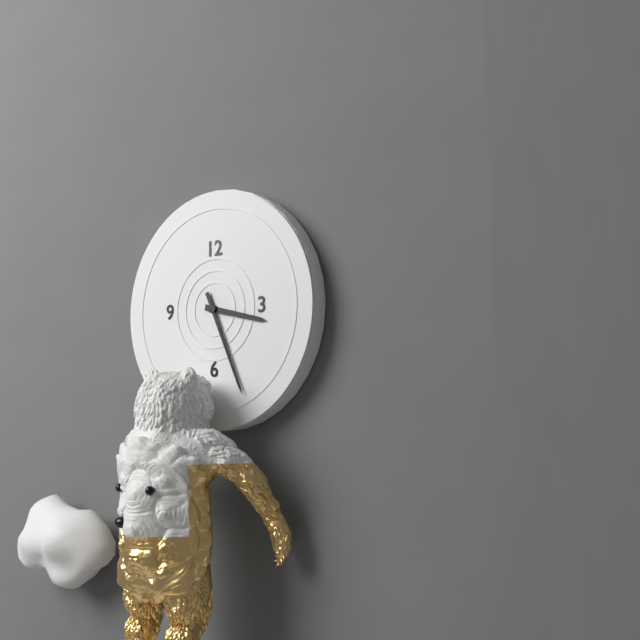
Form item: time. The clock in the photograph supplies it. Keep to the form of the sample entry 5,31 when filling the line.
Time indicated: 3,26
